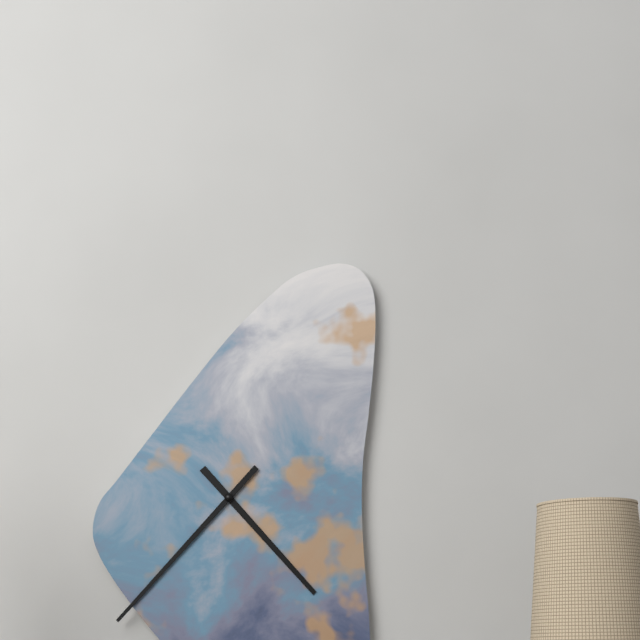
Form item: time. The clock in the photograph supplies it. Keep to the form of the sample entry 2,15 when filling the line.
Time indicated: 4,37
